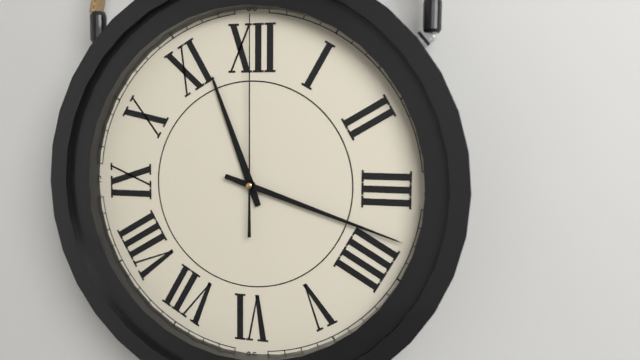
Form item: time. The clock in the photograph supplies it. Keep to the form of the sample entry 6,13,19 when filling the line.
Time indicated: 11,18,00
